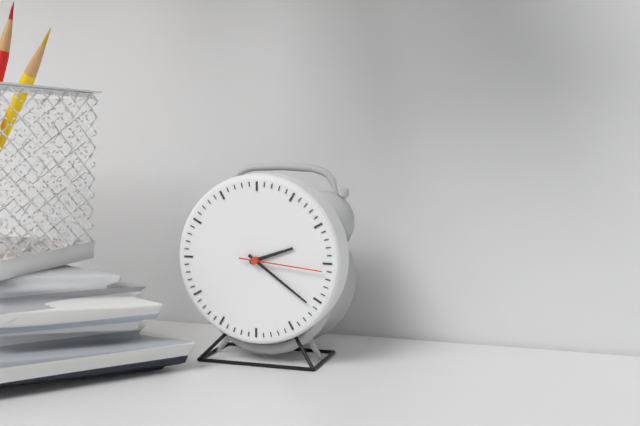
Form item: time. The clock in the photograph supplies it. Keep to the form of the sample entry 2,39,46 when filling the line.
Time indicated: 2,21,16
